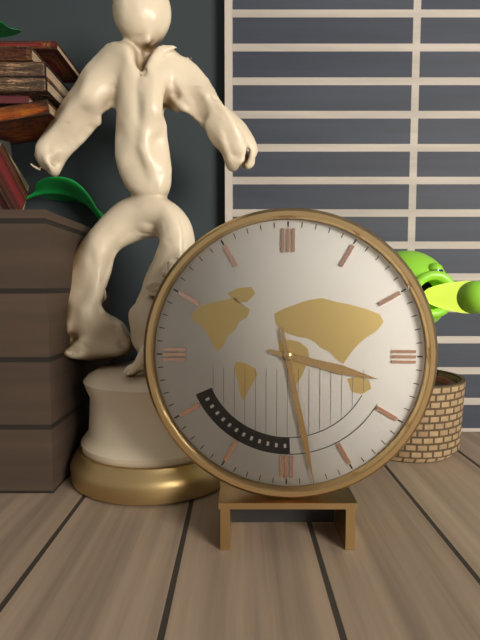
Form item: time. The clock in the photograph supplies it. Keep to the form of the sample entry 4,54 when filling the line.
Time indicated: 3,28
